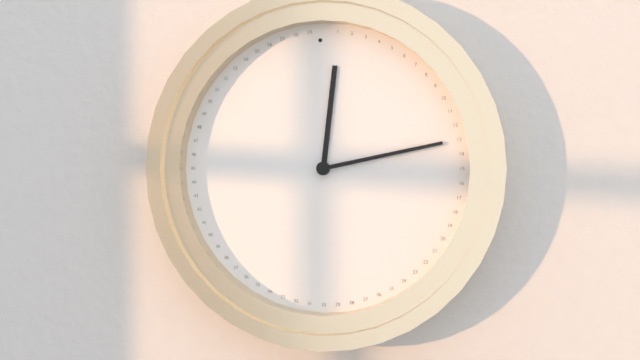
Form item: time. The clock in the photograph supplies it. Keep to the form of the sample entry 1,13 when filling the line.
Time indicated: 12,13
